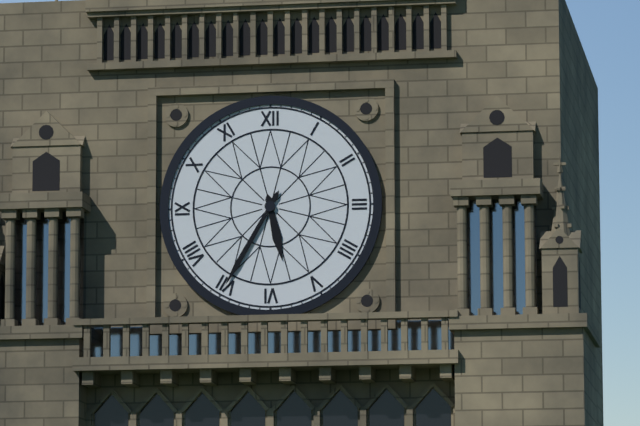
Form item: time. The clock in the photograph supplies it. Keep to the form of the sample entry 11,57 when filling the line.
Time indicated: 5,35
